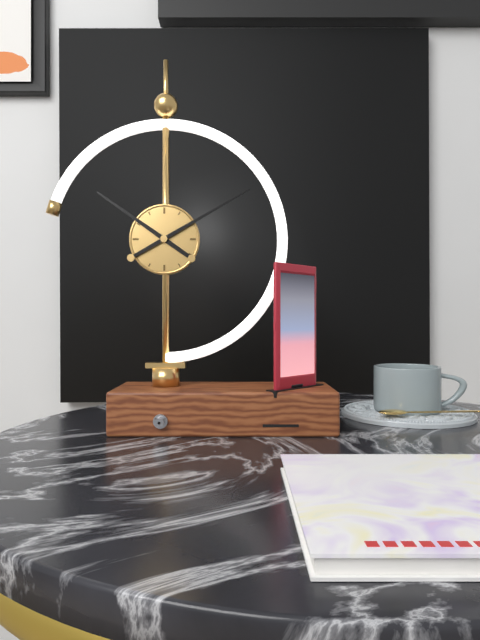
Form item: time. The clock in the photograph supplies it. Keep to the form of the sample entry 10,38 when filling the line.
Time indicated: 10,10
